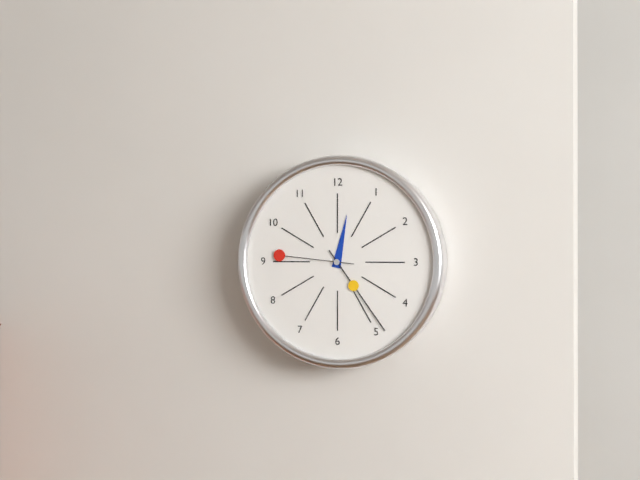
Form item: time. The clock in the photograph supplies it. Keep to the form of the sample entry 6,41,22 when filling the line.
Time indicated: 12,24,46
